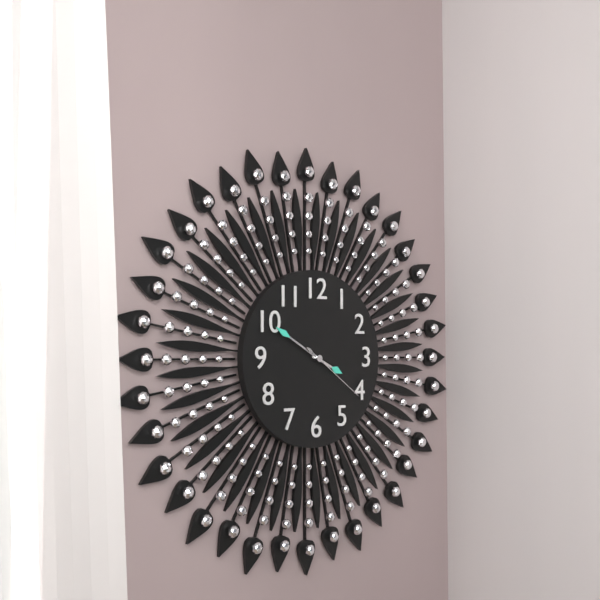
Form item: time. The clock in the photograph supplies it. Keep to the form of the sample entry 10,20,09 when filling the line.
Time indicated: 3,50,21
